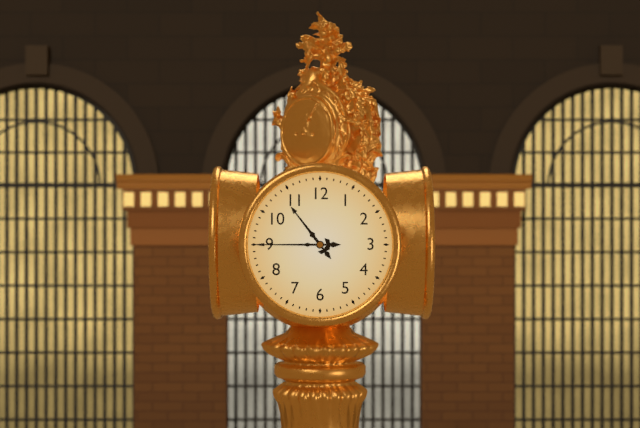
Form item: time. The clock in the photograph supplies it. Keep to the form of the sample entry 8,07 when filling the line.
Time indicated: 10,45
